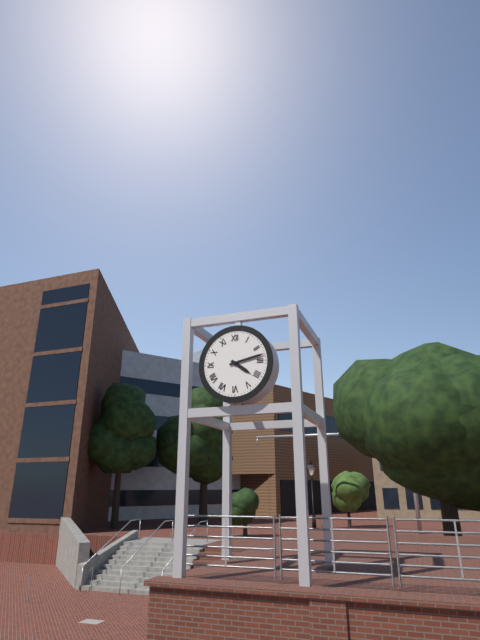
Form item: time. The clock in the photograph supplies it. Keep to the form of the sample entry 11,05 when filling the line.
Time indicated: 4,13
